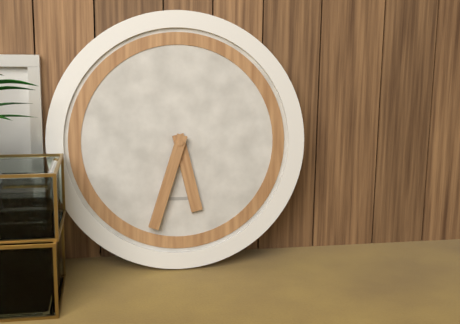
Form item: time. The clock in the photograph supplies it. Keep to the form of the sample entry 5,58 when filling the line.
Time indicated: 5,33
